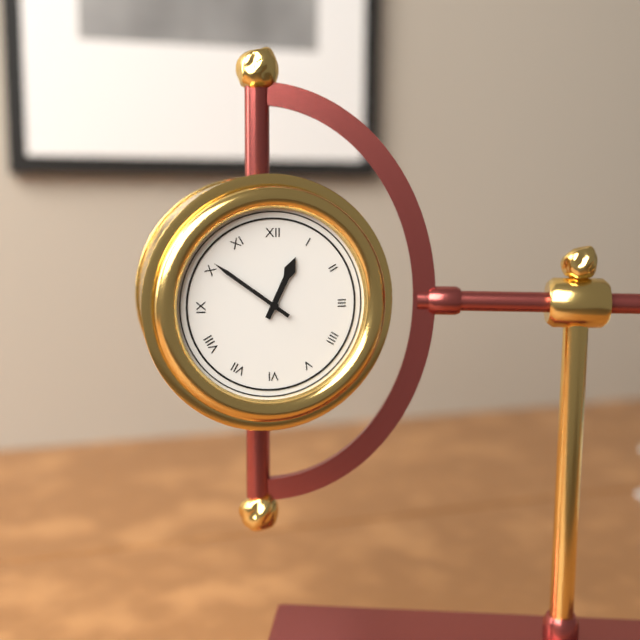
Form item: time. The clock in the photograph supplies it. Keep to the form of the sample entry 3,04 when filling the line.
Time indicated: 12,51
